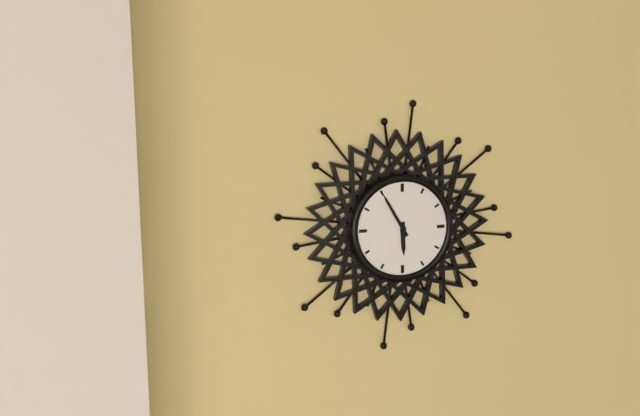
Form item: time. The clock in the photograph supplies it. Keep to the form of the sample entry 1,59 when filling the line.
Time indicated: 5,55
